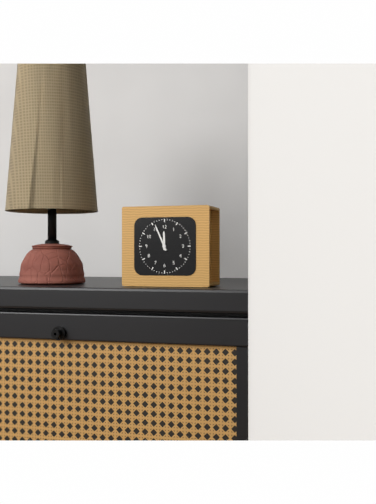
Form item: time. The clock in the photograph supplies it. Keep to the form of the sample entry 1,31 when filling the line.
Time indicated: 11,56
